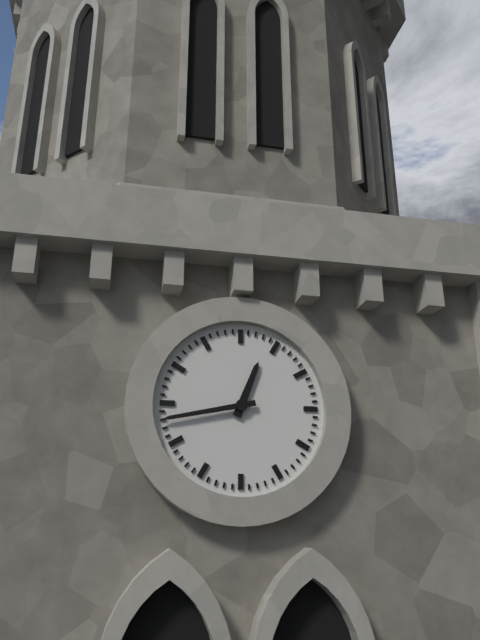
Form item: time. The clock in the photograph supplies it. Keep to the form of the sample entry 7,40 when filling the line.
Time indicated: 12,43
